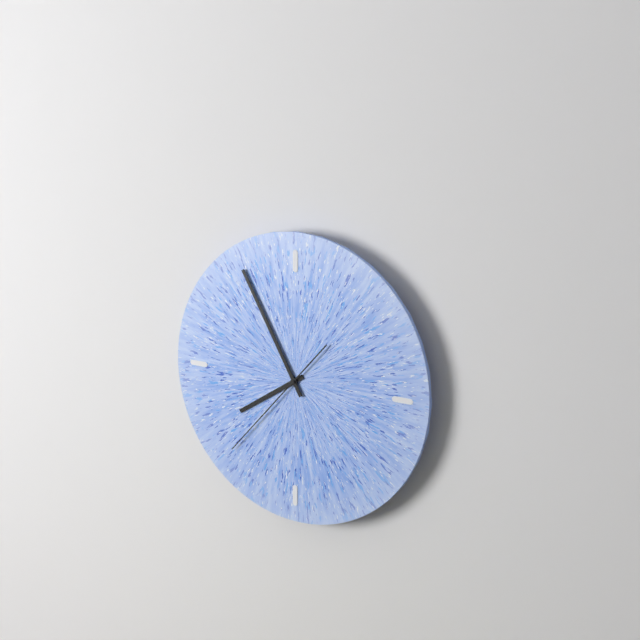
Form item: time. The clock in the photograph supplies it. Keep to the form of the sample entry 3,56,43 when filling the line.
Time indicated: 7,55,37
